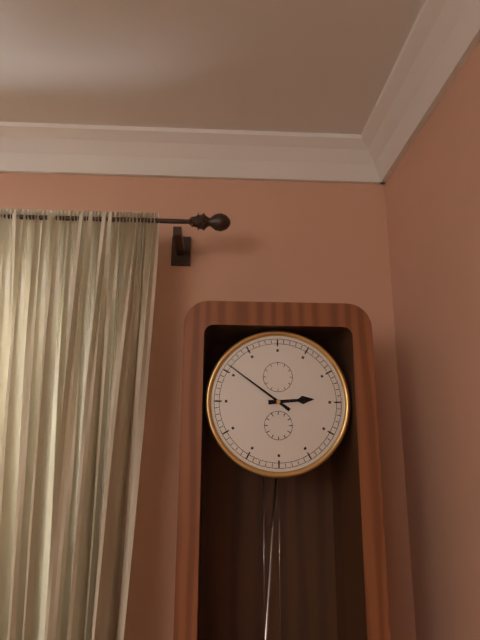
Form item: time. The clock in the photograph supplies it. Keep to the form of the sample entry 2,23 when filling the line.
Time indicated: 2,51
